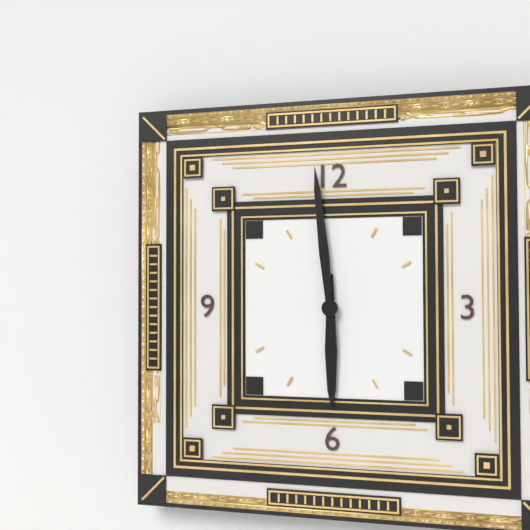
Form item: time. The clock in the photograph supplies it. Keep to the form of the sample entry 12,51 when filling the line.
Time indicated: 5,59
